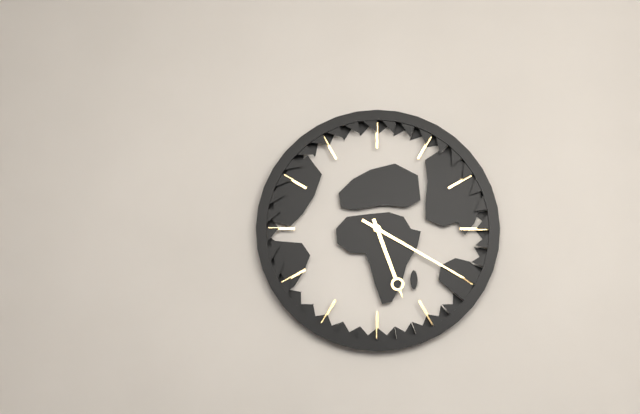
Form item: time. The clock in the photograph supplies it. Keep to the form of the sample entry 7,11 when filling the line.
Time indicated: 5,20
